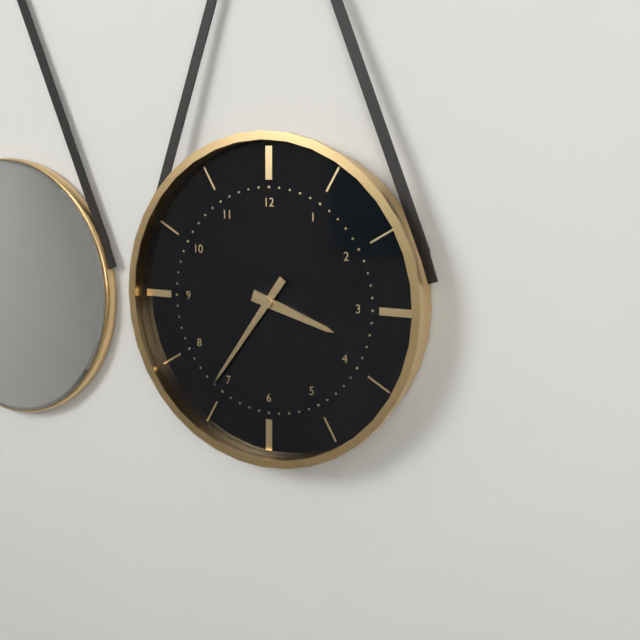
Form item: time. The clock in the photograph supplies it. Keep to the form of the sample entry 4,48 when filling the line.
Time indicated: 3,36
